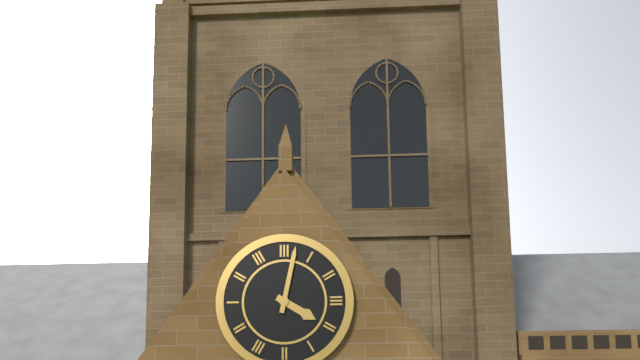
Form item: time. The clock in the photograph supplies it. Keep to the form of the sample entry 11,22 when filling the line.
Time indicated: 4,02
